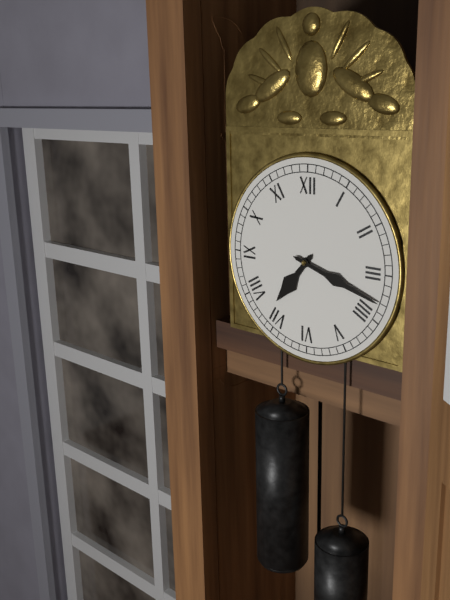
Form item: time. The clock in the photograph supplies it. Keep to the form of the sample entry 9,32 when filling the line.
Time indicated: 7,18
